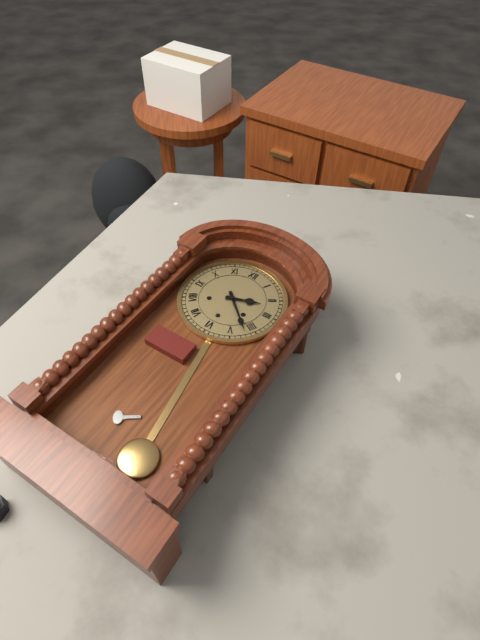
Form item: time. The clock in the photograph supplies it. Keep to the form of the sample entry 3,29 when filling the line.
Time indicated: 2,22
